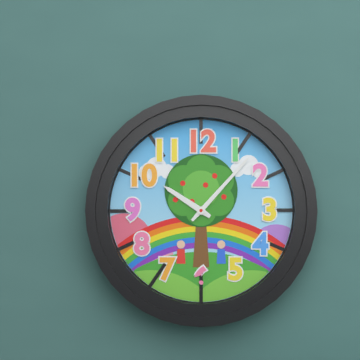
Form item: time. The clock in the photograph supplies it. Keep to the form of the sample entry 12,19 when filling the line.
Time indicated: 10,07
